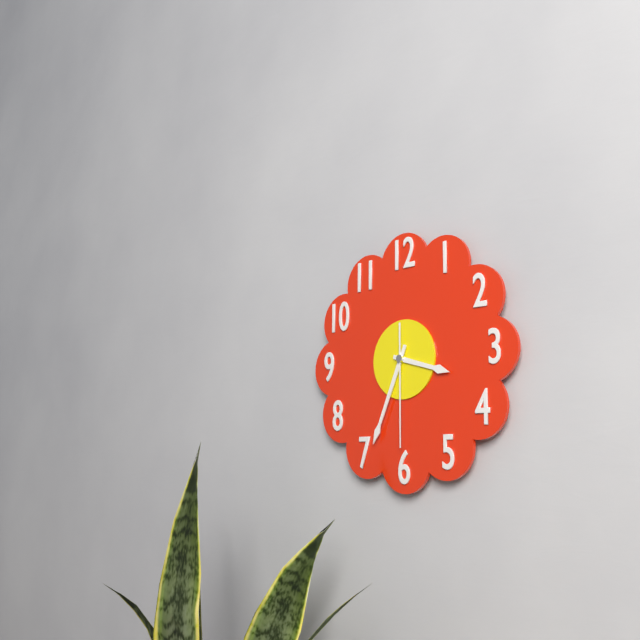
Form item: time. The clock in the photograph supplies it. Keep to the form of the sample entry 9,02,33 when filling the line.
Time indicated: 3,34,30
